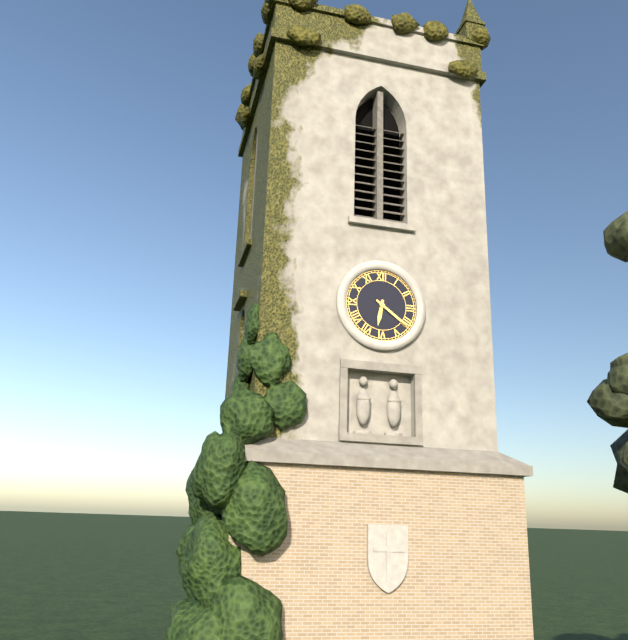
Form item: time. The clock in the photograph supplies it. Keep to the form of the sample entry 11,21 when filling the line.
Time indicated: 6,21
